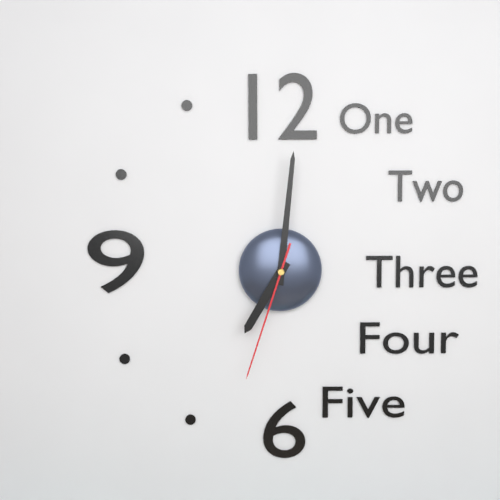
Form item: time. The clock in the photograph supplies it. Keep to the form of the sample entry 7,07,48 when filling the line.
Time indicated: 7,01,33
